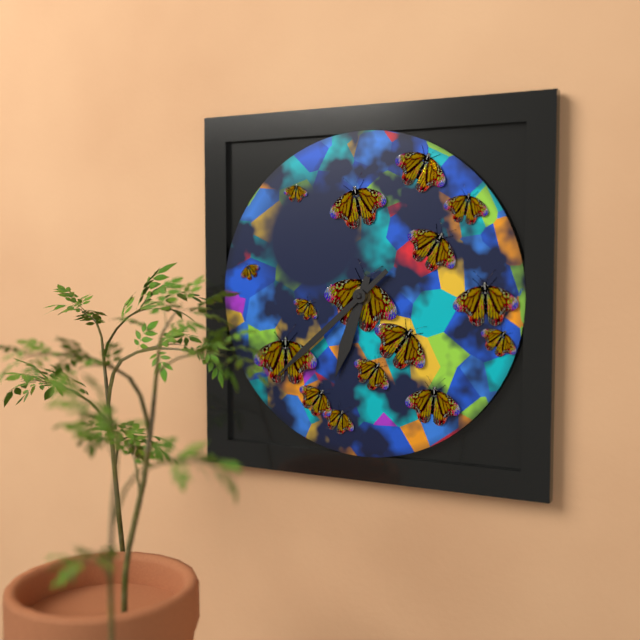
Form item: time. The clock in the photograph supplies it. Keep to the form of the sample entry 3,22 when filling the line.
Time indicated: 6,38
